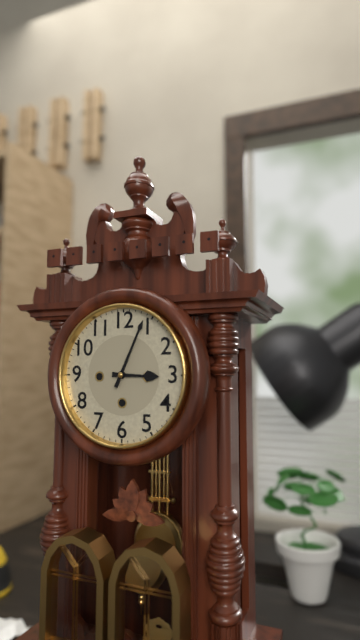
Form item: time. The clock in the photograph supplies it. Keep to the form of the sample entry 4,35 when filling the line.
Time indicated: 3,04
